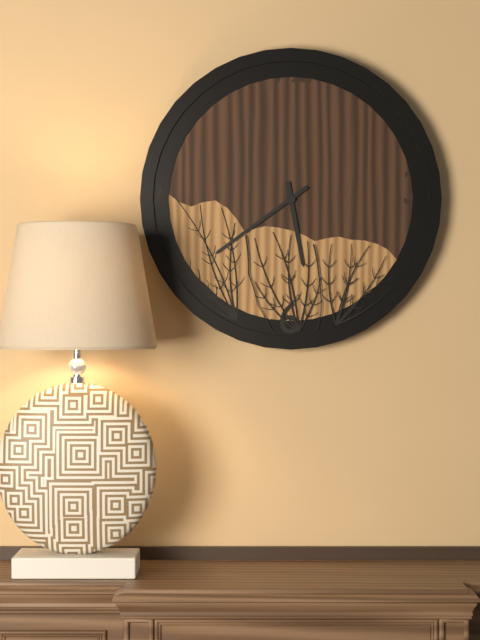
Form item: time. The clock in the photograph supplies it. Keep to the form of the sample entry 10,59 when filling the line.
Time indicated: 5,39
